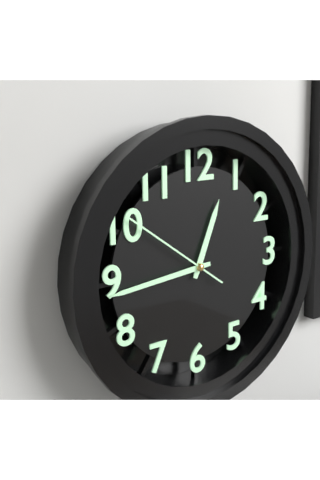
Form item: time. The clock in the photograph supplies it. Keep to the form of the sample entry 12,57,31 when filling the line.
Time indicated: 12,44,51
